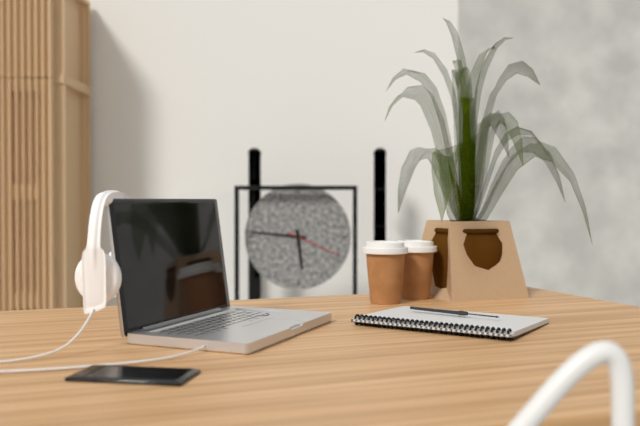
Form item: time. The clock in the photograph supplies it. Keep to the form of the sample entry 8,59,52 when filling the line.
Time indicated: 5,46,19
